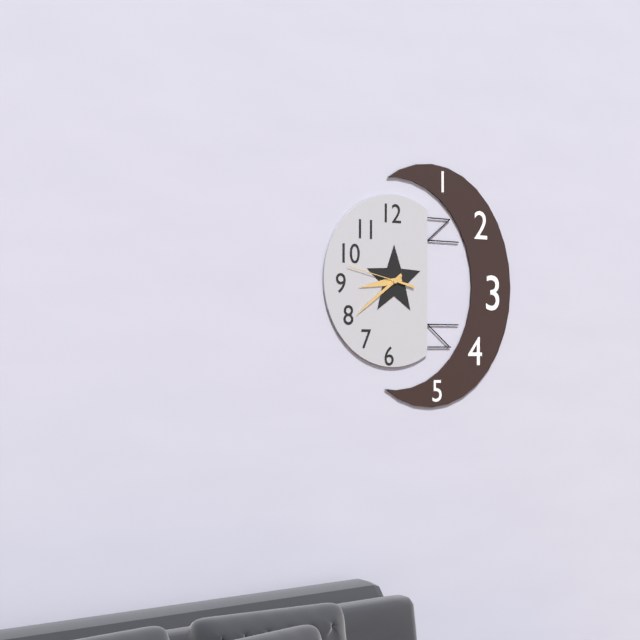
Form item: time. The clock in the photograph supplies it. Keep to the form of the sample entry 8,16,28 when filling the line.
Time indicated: 8,39,47
